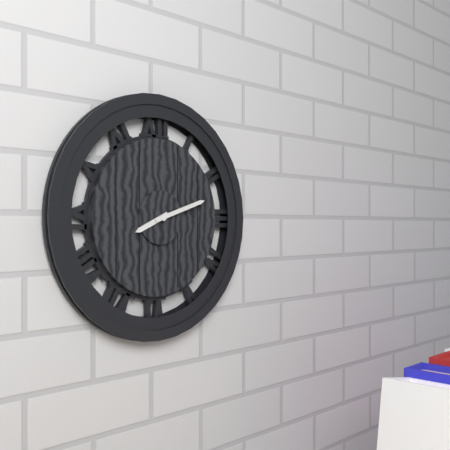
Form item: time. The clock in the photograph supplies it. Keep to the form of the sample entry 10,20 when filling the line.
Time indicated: 8,12
